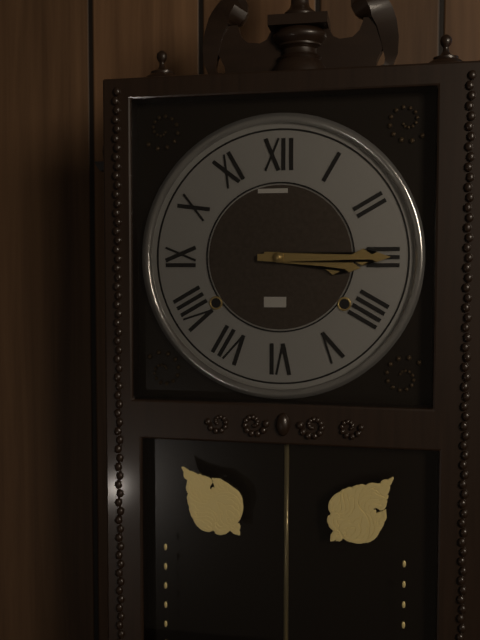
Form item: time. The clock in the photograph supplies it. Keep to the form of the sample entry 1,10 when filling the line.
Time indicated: 3,15
